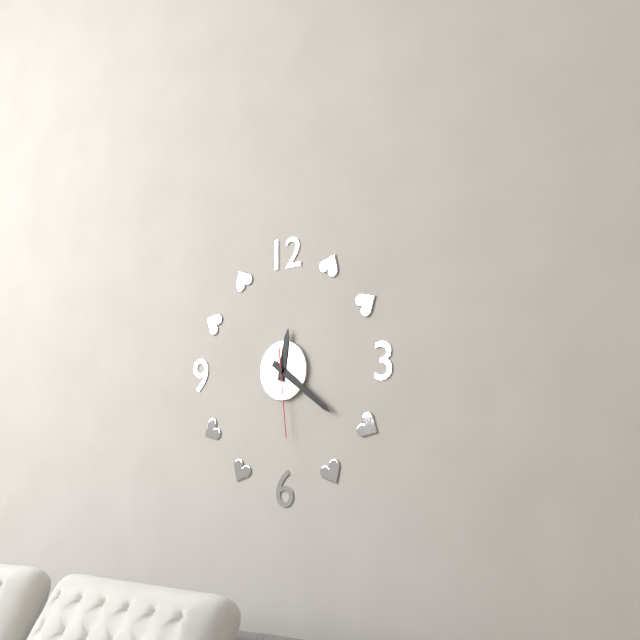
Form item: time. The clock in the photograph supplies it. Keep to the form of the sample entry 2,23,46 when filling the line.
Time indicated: 12,21,29
